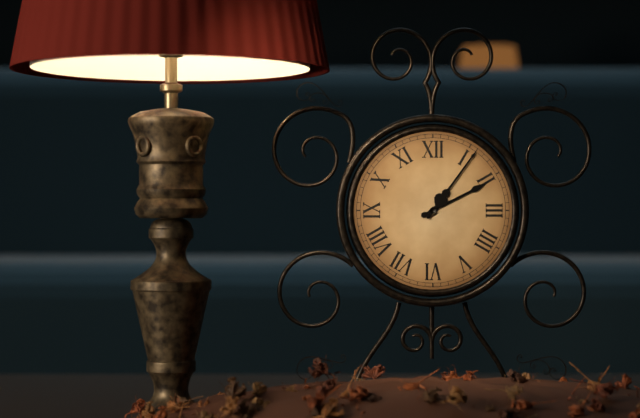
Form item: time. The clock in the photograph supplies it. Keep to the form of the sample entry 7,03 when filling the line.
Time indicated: 2,06
